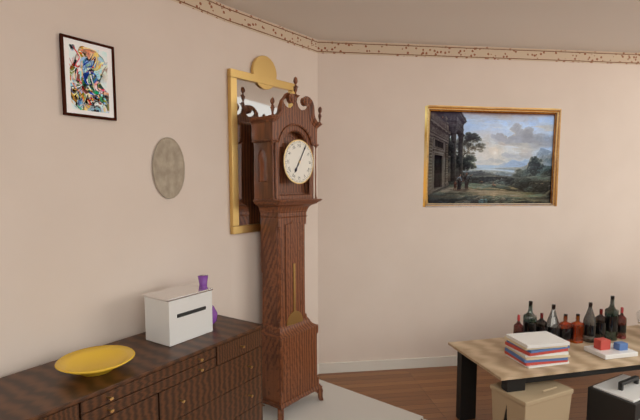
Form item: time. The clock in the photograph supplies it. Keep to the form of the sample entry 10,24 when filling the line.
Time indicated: 7,05
